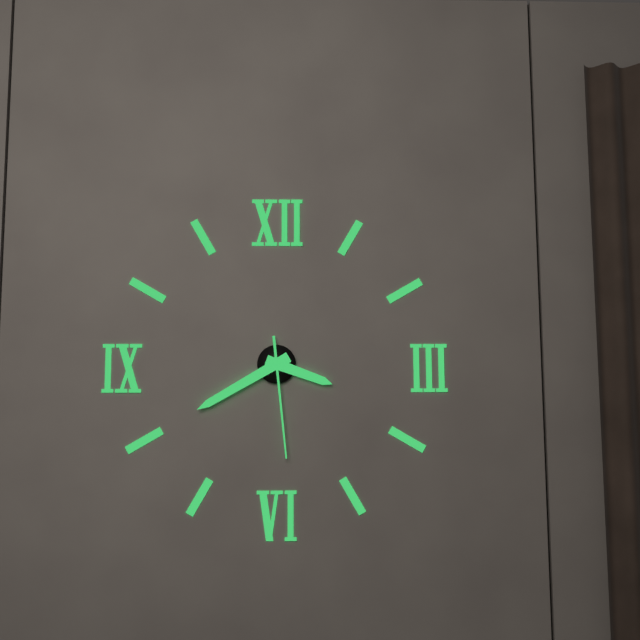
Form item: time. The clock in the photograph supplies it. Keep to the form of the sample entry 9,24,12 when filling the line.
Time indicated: 3,40,29
